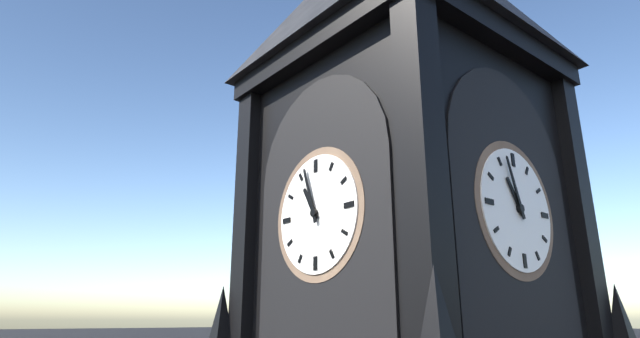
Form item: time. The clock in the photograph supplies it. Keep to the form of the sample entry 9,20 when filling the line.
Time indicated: 10,57
